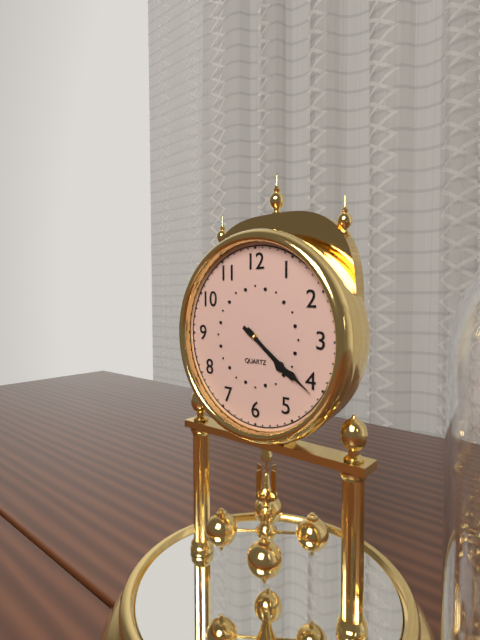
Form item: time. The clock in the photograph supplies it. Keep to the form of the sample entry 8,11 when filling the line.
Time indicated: 4,21
